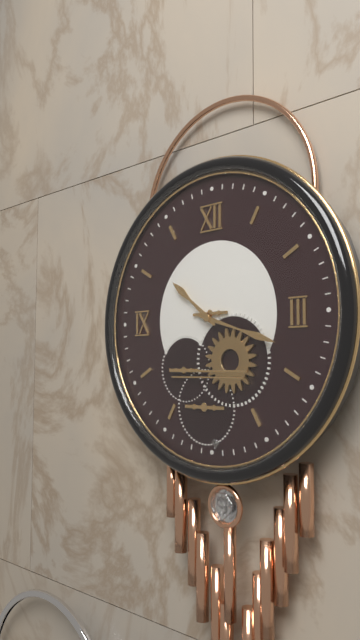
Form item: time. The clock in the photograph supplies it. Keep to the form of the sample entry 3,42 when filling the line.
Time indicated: 10,18
